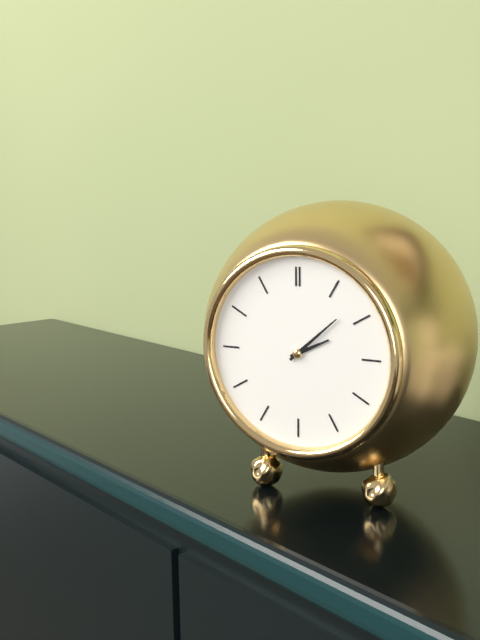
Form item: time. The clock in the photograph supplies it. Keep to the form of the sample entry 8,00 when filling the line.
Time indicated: 2,08
